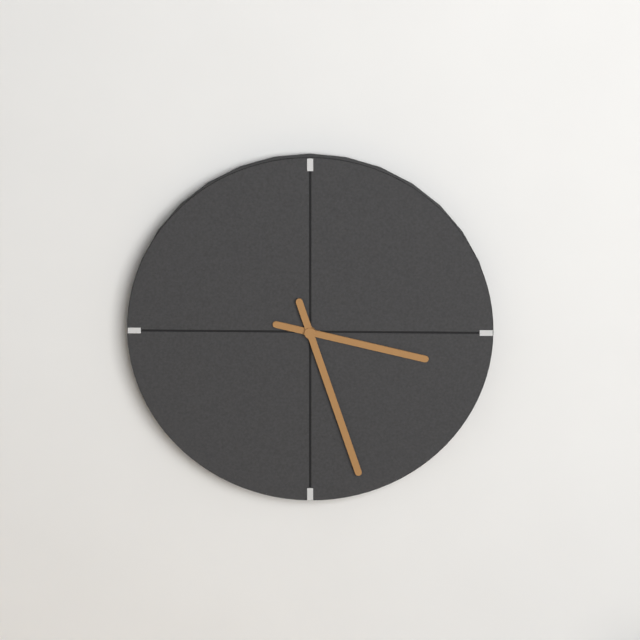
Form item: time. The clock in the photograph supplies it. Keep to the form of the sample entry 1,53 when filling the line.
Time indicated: 3,27
